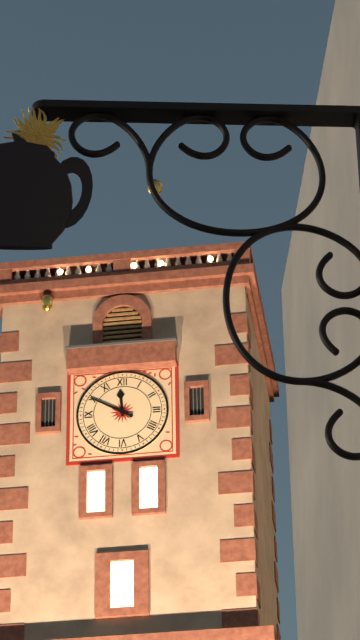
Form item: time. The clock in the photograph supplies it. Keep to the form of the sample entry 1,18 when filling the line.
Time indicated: 11,50
